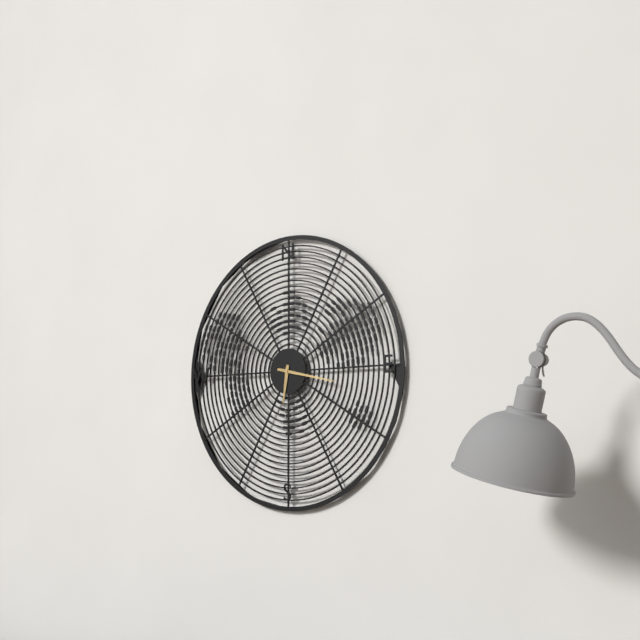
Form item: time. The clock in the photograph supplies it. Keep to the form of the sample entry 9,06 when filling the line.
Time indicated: 6,17
